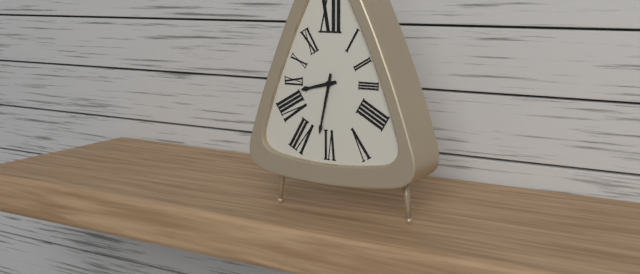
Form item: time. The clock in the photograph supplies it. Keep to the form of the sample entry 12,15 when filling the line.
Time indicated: 8,32
